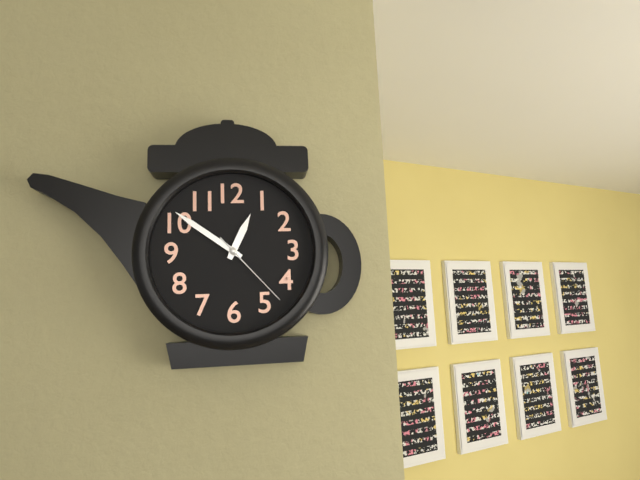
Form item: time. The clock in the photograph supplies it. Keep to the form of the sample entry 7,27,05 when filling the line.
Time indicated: 12,51,23
